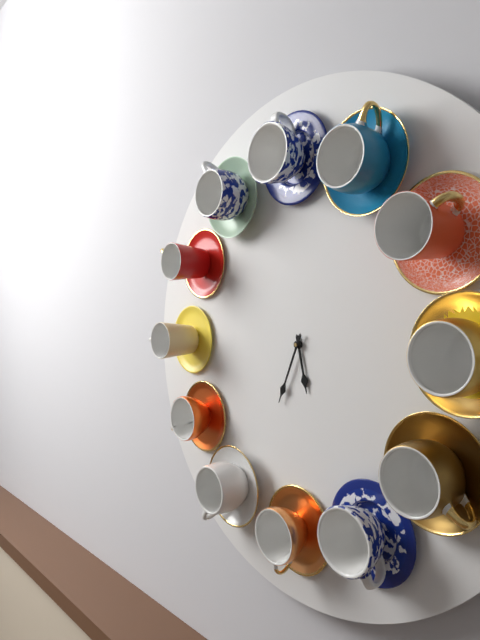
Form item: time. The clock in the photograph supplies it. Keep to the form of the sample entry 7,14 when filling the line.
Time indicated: 5,34
